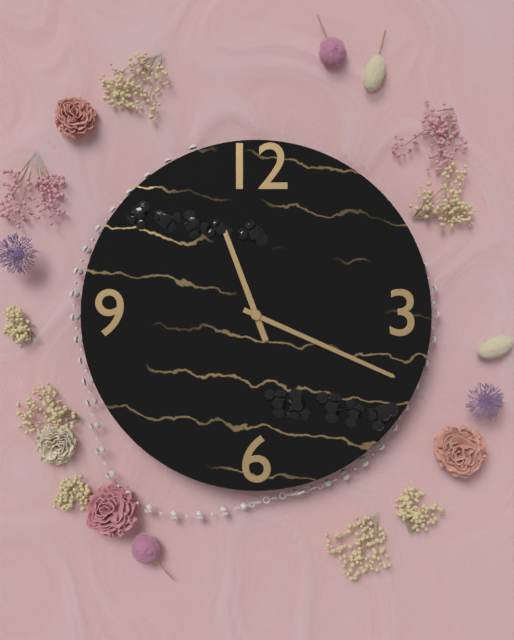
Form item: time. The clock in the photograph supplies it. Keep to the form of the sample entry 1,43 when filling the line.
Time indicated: 11,19
